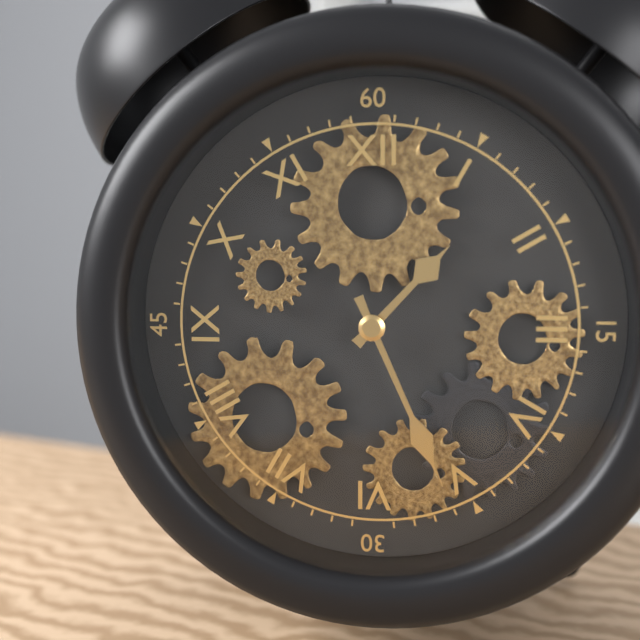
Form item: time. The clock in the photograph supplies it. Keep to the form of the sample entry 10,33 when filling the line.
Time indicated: 1,26
